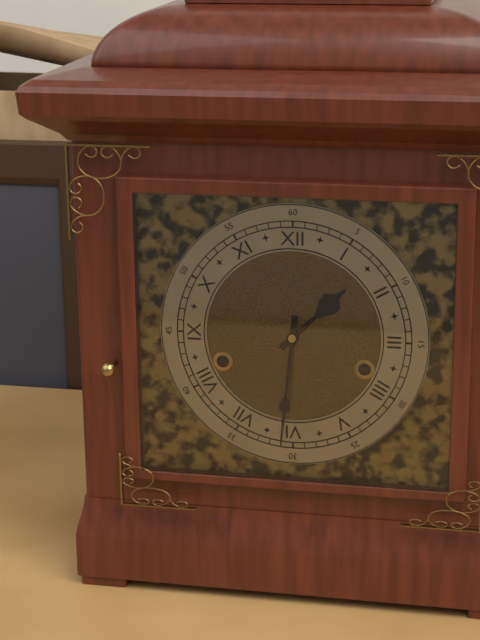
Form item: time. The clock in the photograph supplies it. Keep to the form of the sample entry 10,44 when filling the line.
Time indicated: 1,31
